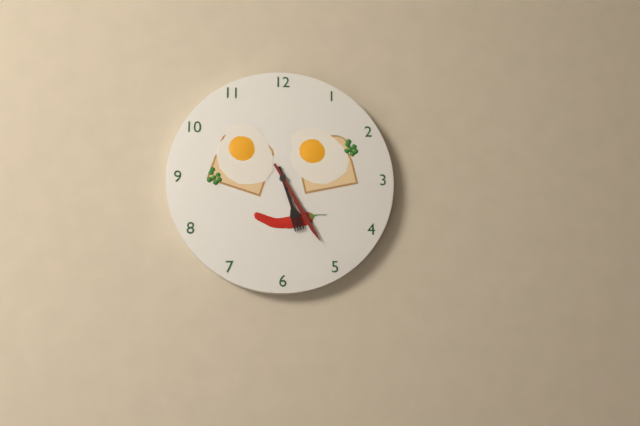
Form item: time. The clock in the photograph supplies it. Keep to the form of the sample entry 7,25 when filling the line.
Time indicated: 5,25
